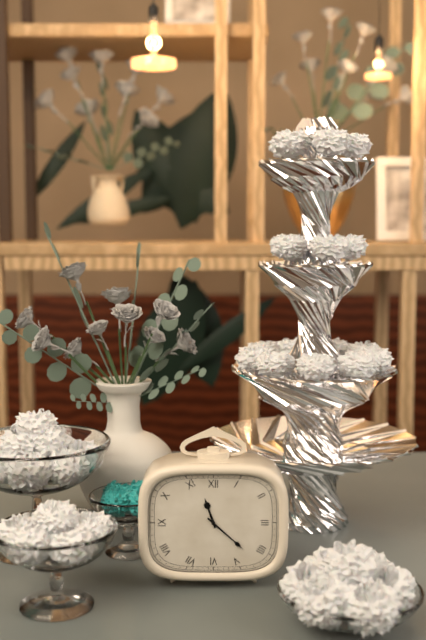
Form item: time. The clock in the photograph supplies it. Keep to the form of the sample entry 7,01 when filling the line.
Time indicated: 11,22
